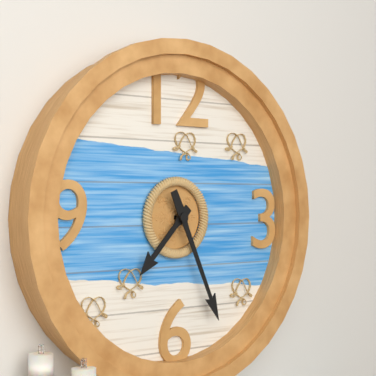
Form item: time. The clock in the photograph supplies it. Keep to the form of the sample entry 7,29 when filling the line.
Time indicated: 7,26
